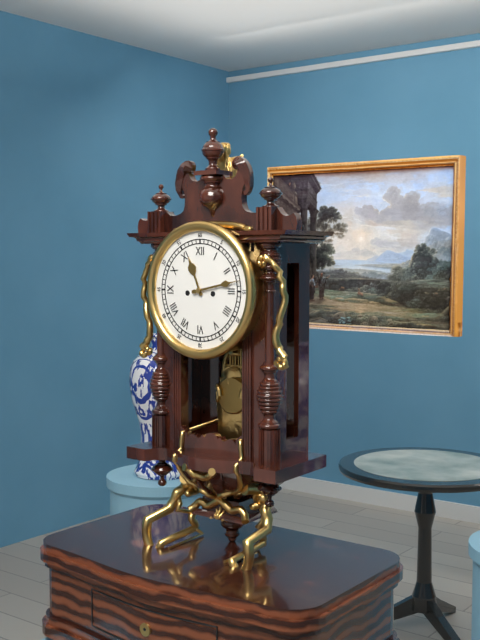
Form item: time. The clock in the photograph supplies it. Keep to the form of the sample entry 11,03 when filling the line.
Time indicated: 11,13
